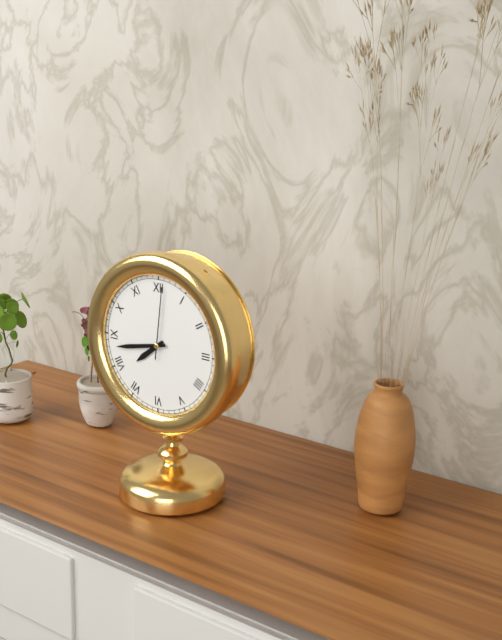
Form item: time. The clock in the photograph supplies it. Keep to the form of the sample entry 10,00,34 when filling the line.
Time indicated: 7,43,01
